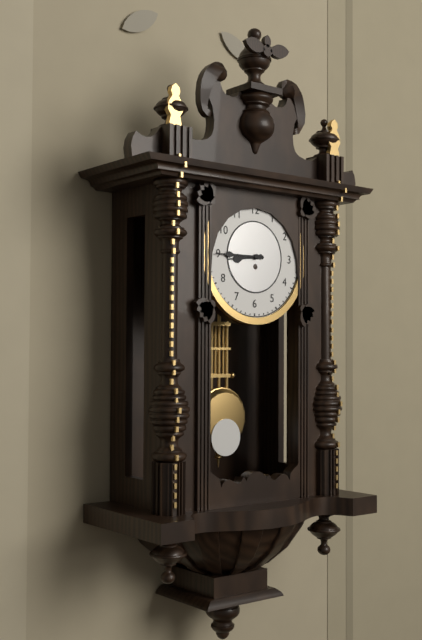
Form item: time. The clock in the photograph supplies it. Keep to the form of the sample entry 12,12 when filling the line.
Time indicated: 8,45
